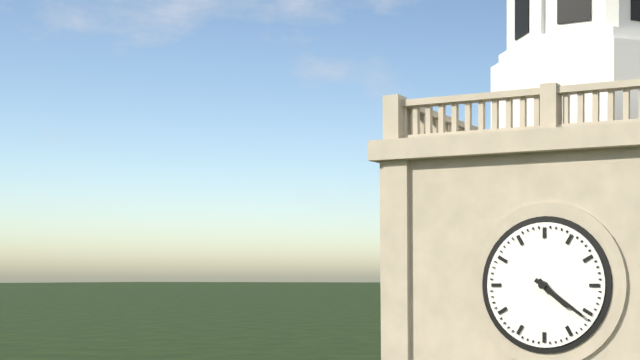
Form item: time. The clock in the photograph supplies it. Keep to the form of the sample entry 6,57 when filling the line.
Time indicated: 4,21
